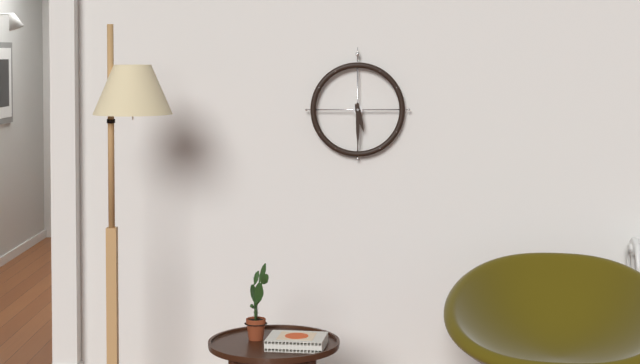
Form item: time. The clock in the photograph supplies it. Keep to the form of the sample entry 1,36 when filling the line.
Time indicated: 5,30
